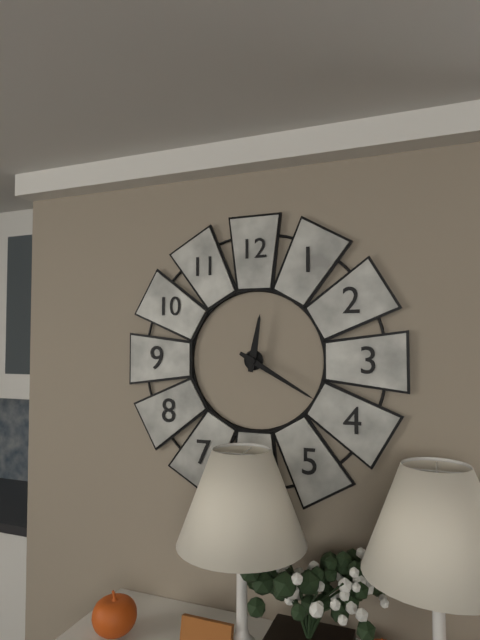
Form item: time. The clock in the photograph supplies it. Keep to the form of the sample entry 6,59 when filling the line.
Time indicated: 12,20
